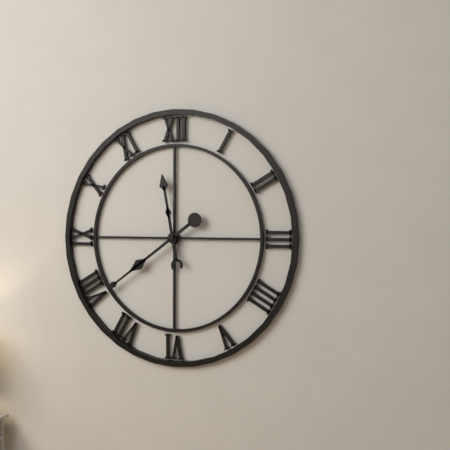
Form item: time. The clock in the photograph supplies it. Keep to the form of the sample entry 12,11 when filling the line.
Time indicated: 11,39
